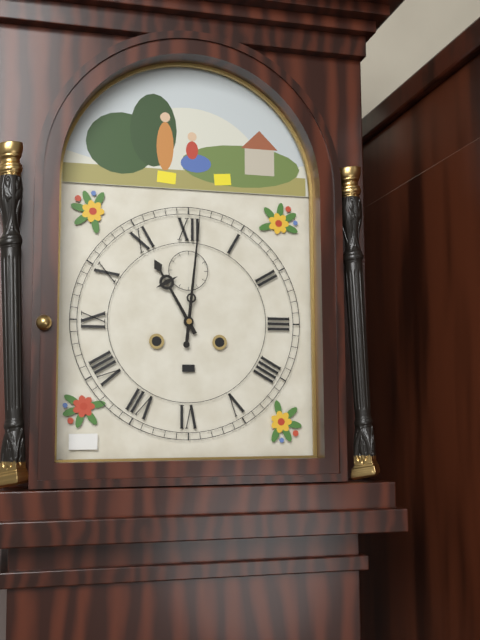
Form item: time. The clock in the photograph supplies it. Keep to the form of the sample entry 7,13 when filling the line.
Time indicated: 11,01
